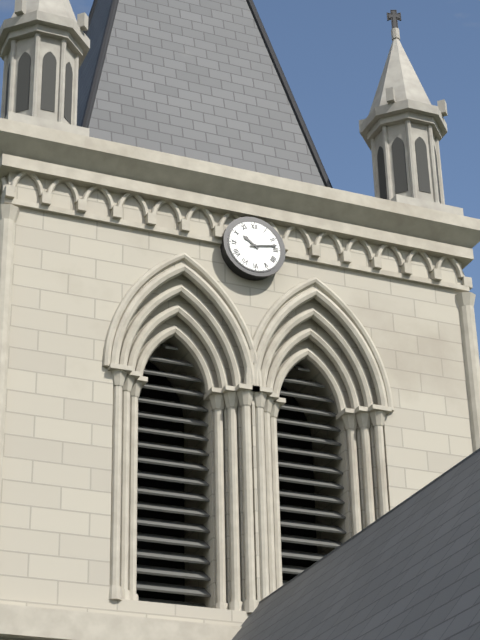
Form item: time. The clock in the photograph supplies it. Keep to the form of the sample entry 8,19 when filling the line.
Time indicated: 10,13
